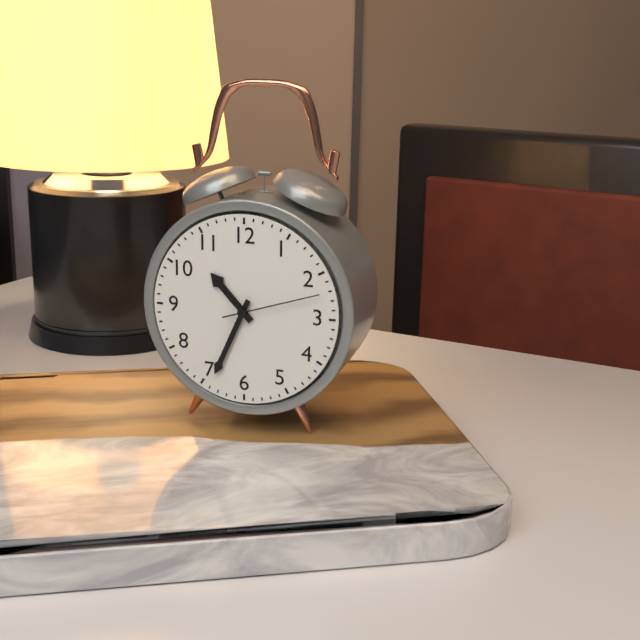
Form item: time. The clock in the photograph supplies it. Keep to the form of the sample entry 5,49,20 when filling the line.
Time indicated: 10,34,12
